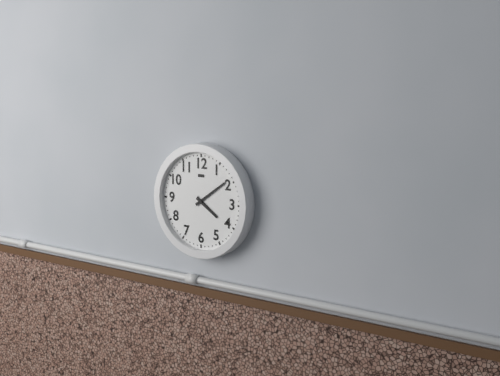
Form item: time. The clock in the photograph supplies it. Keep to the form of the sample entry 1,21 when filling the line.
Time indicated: 4,09
